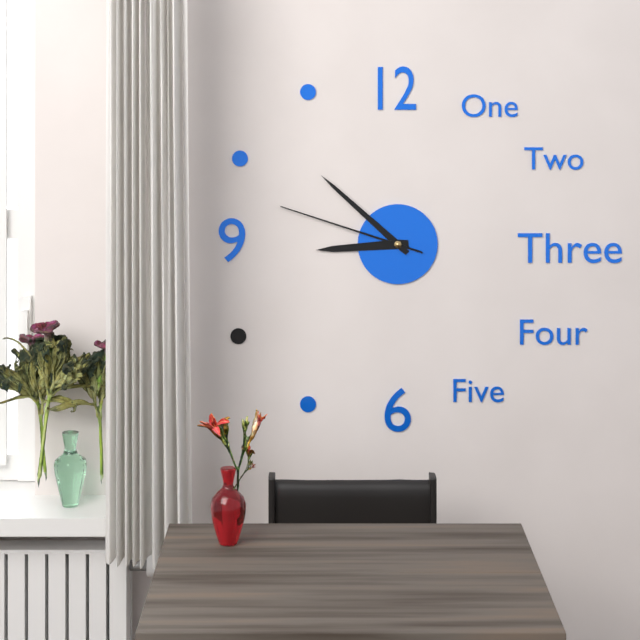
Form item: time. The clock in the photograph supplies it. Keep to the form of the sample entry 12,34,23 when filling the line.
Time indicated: 8,52,48
